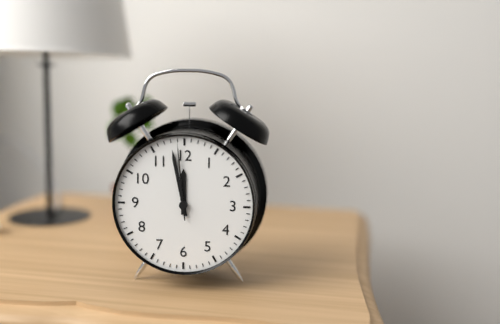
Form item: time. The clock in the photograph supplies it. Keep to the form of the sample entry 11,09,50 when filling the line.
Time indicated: 11,58,59
